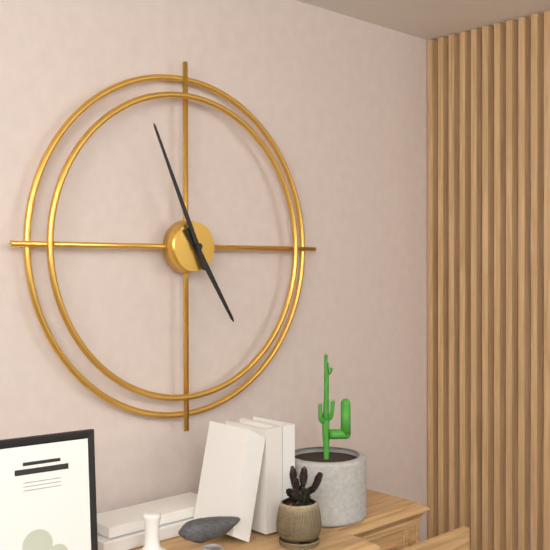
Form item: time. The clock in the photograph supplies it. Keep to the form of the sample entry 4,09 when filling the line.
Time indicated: 4,56
